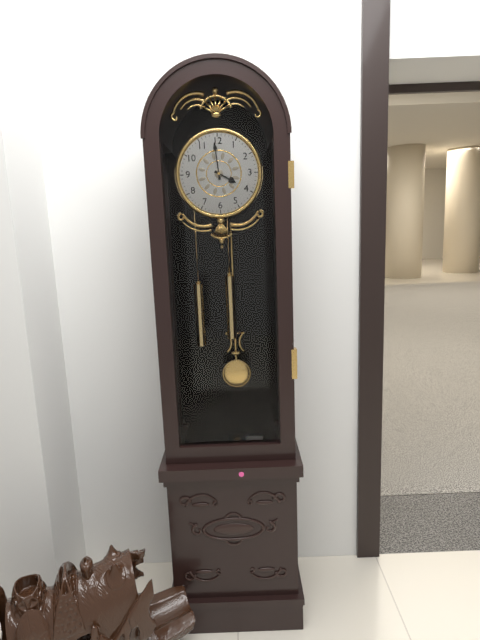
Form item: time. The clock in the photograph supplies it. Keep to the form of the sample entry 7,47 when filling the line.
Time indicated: 3,59
